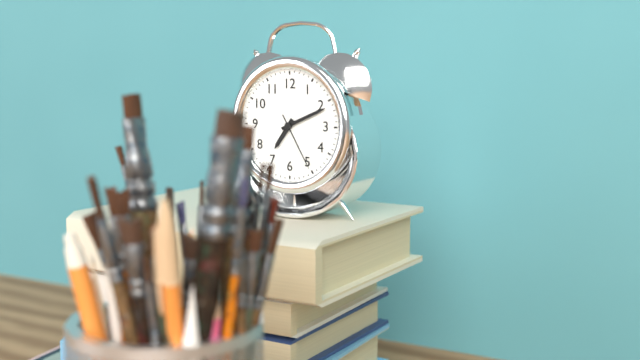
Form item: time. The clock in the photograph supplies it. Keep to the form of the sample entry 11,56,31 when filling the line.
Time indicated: 7,11,25
